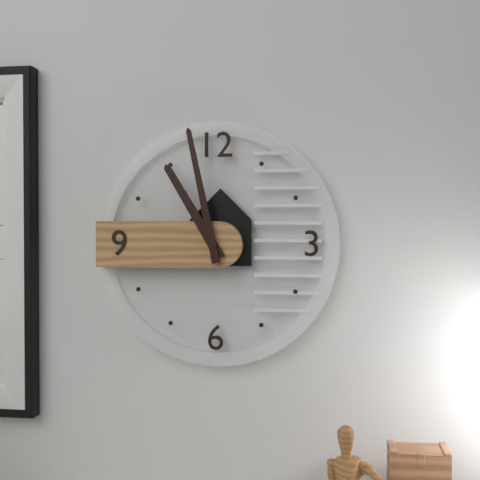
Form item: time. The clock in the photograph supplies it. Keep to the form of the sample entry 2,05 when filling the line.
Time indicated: 10,58
